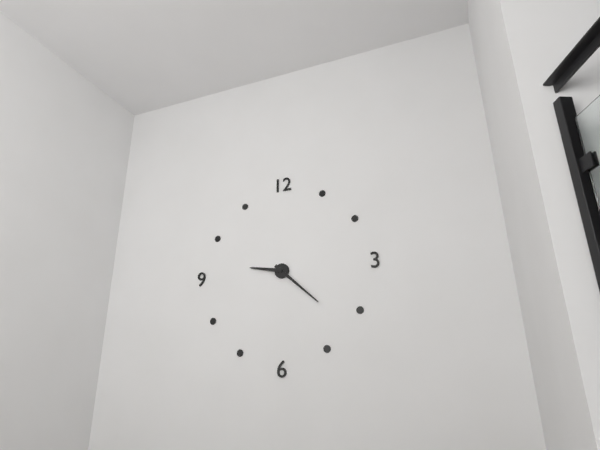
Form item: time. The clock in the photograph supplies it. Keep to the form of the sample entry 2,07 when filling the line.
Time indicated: 9,22
